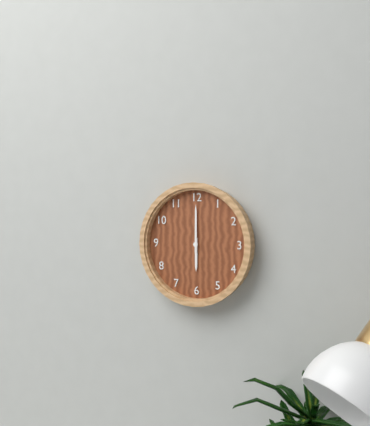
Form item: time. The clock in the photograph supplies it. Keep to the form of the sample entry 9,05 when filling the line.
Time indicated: 6,00
